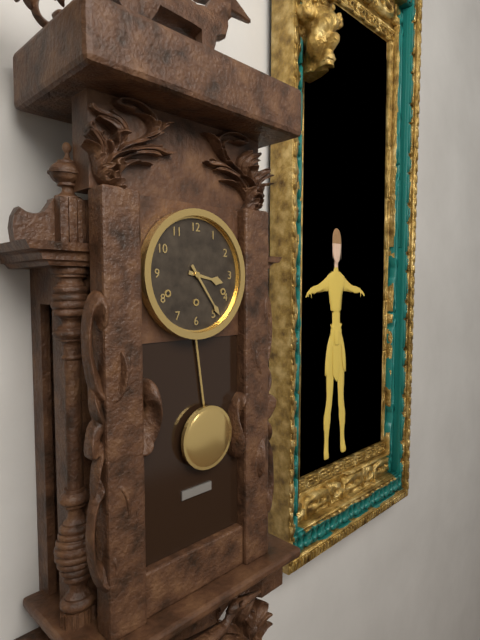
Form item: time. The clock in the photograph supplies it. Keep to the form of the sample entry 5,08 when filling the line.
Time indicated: 3,24
